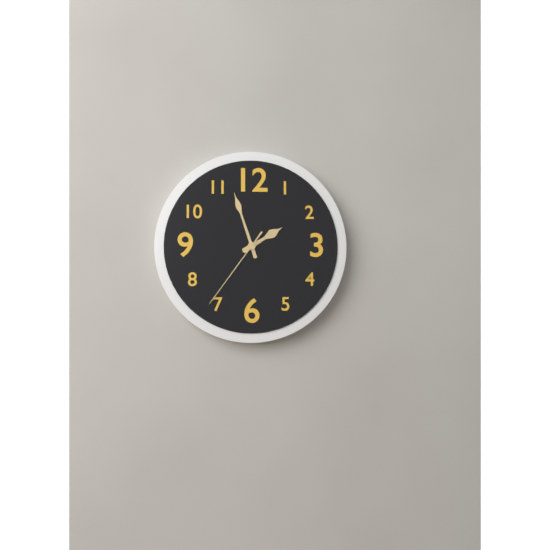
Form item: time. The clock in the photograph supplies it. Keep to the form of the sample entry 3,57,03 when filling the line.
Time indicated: 1,57,36
